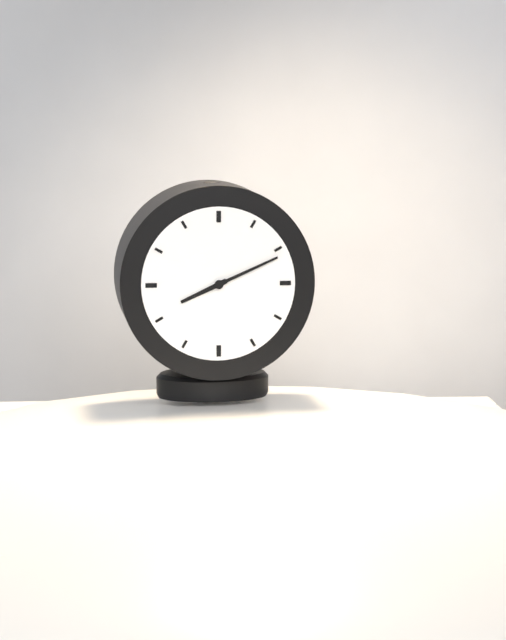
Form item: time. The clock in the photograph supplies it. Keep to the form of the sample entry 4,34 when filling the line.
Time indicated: 8,11
